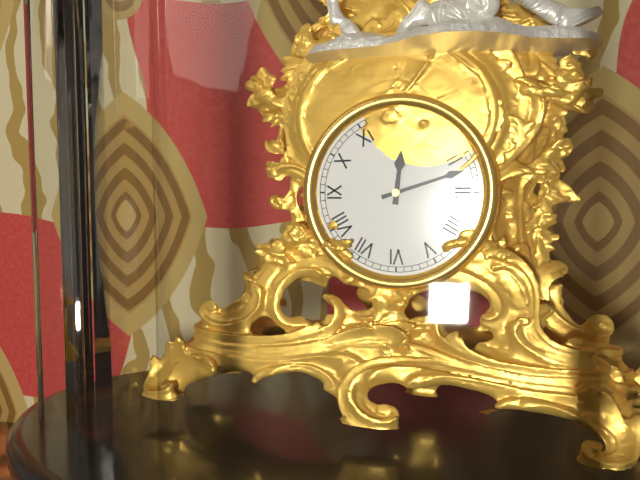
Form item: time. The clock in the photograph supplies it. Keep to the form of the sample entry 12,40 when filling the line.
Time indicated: 12,12
